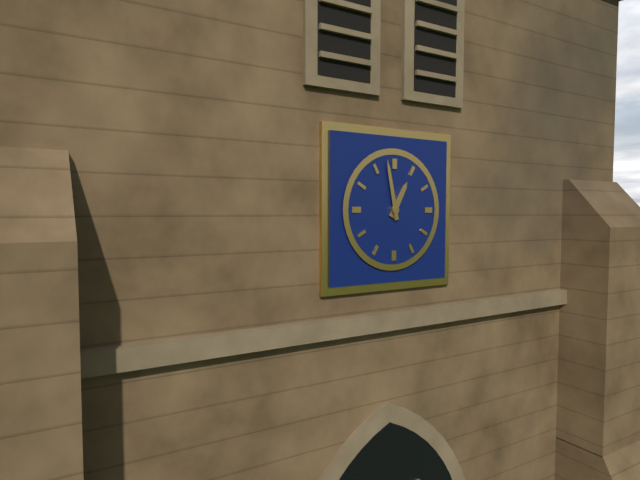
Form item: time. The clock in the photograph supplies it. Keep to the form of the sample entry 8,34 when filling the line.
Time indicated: 12,58
